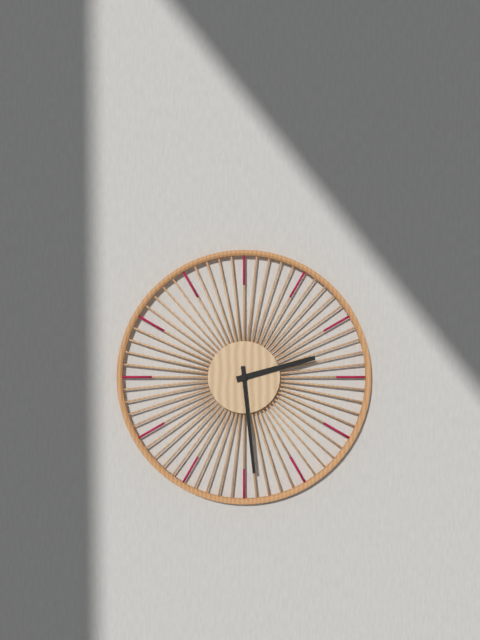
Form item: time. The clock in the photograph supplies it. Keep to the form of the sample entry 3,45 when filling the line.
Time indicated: 2,29
